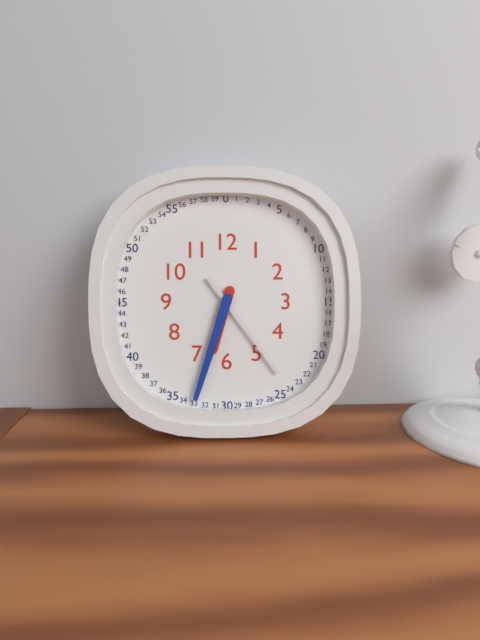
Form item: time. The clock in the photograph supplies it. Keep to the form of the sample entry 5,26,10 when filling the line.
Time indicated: 6,33,24
